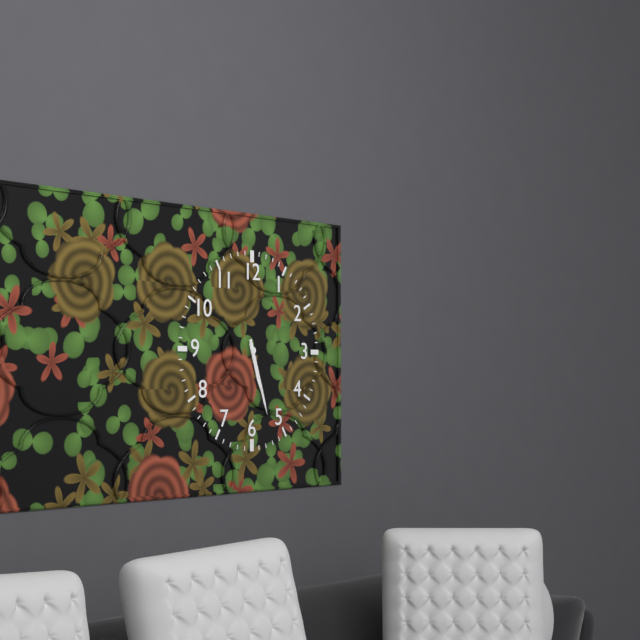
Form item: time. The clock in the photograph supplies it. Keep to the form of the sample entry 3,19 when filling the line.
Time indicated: 5,27
